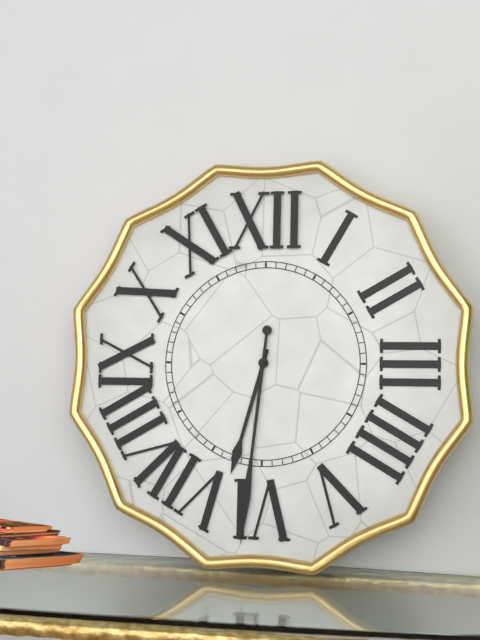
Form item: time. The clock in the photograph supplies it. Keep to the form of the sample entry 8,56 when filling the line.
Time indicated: 6,31
